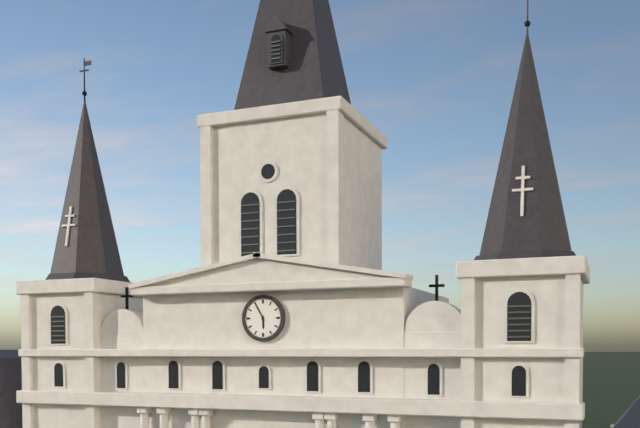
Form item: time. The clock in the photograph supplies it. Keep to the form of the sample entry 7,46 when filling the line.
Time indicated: 5,55
